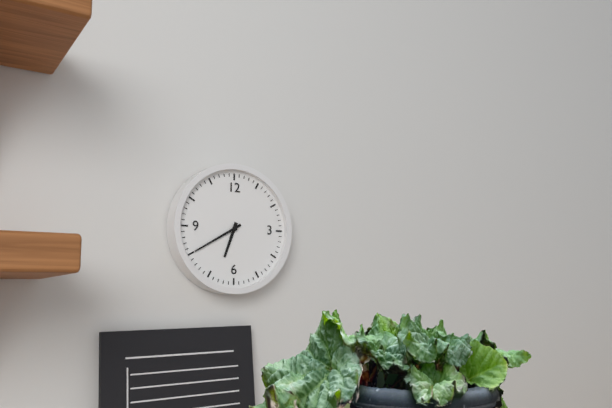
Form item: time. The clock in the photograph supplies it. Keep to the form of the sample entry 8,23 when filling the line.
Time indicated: 6,40
